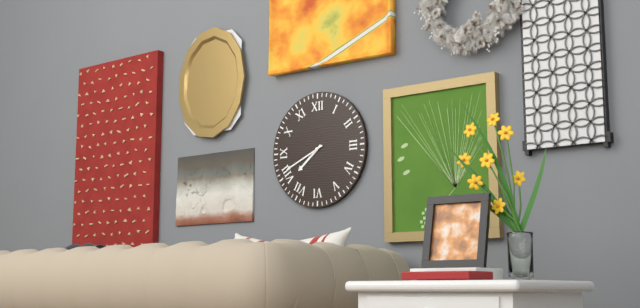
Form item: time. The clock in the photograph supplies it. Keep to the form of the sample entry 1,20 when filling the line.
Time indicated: 7,41
